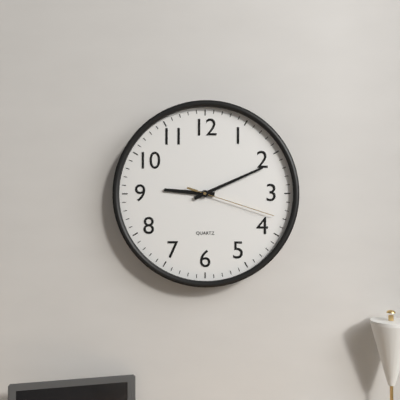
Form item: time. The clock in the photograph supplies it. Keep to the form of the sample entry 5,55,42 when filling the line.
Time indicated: 9,11,18
